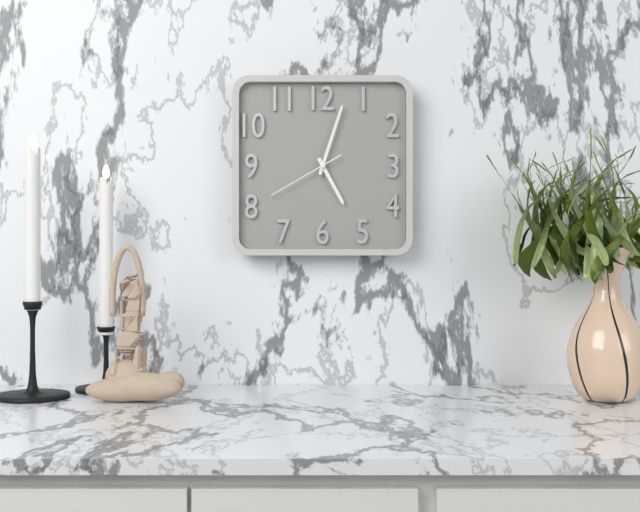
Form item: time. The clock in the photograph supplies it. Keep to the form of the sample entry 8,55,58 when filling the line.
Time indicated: 5,03,40
